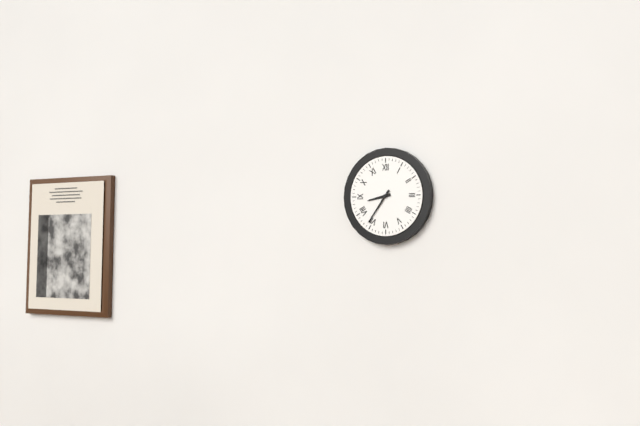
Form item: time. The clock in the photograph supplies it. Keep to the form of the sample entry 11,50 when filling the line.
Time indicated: 8,36
